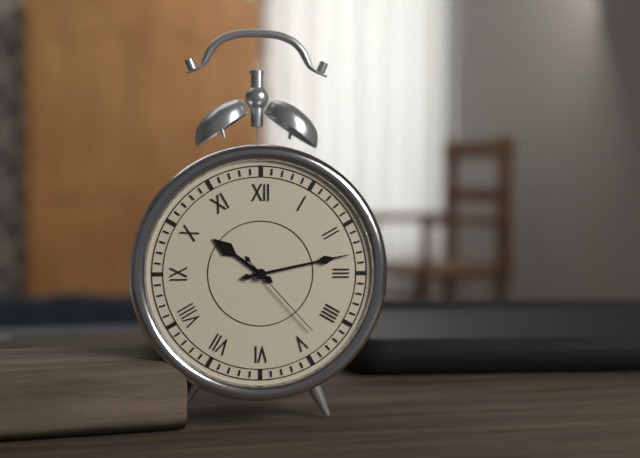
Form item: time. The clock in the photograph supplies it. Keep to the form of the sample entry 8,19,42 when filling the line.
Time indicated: 10,13,23
